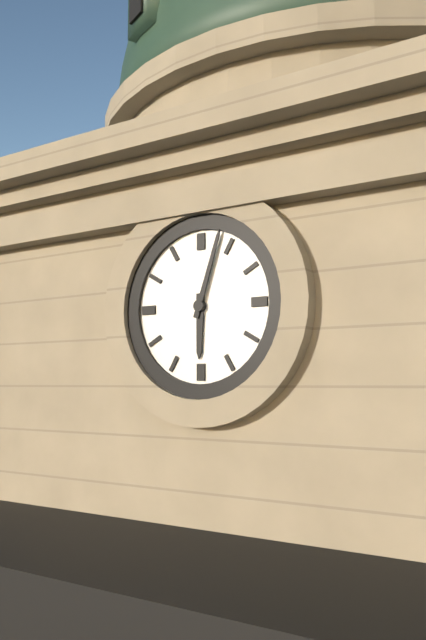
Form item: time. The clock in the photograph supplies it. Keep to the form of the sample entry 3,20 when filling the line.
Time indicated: 6,03
